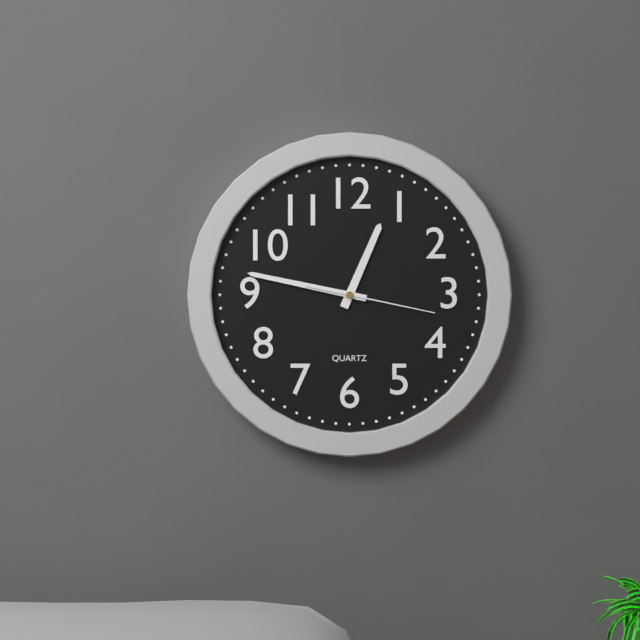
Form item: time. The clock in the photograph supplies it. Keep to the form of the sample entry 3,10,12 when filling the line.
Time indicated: 12,47,17
